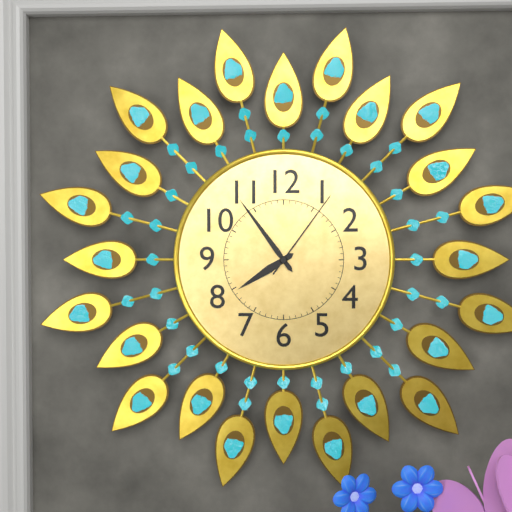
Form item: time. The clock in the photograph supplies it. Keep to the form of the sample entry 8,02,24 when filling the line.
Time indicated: 7,54,06
